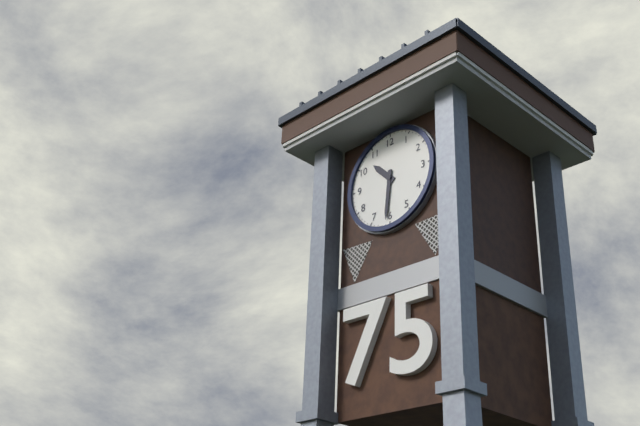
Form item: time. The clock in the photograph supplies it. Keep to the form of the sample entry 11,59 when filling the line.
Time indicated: 10,31
